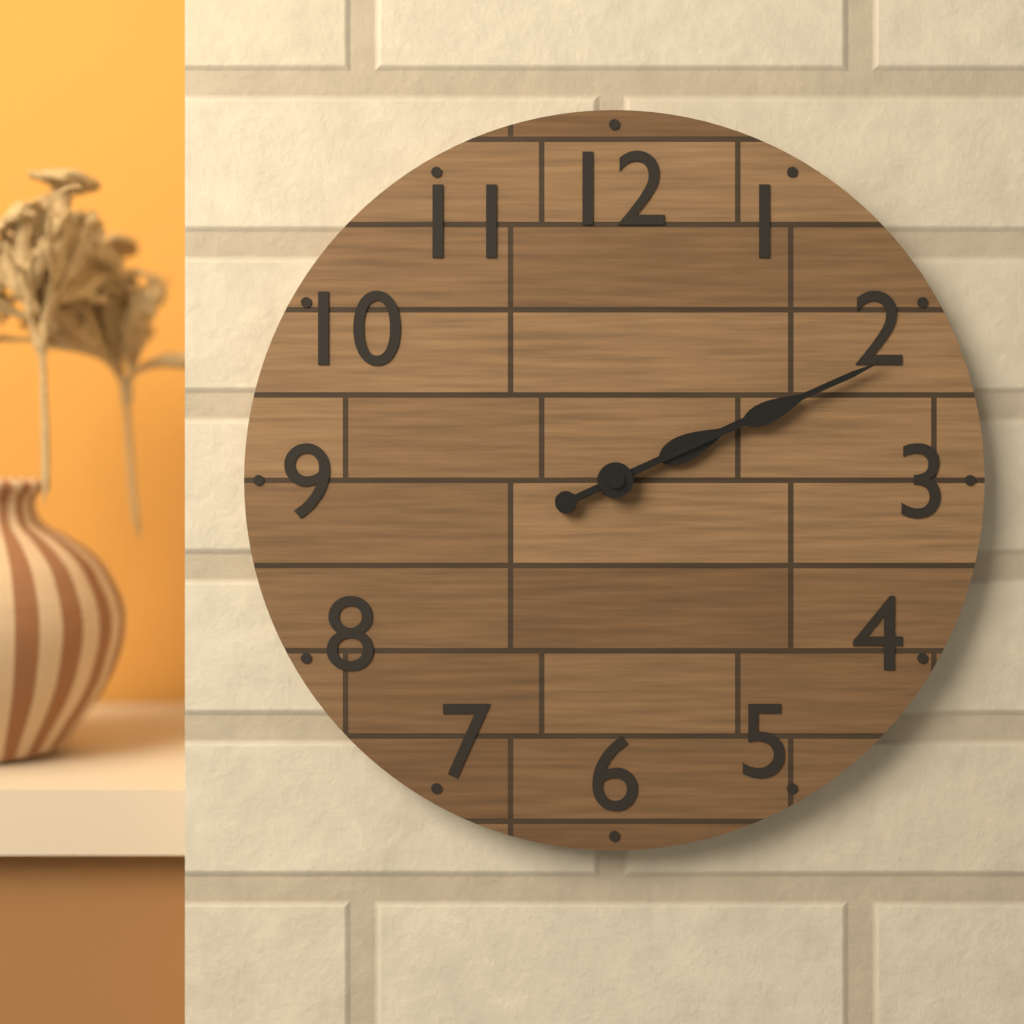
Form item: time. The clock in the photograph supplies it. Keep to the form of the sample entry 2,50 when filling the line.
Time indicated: 2,11
